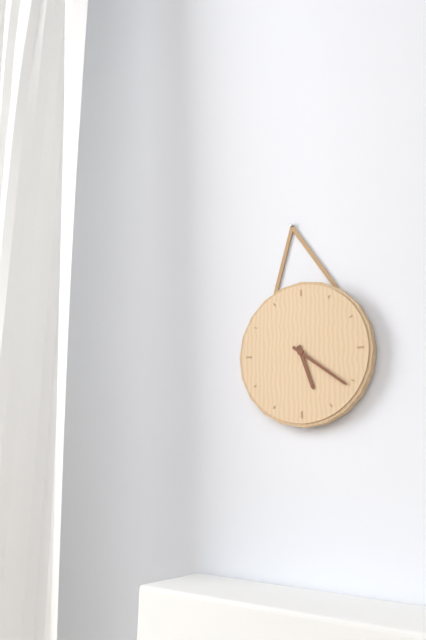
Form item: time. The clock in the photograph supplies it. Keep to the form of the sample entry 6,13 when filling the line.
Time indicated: 5,21
